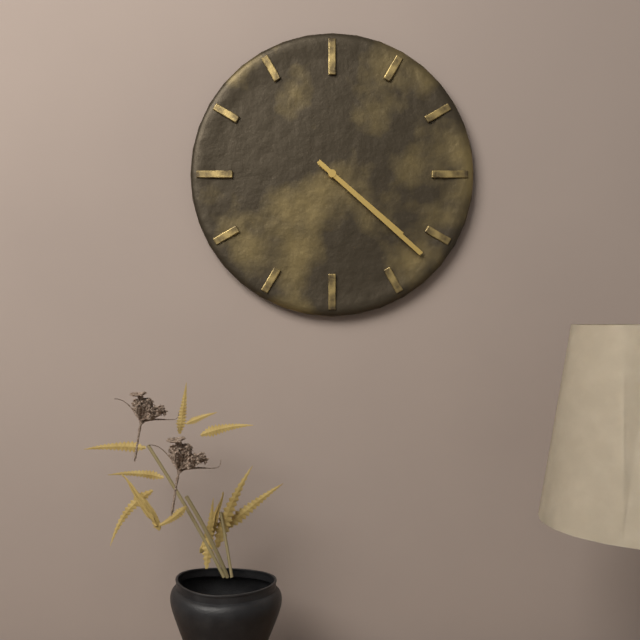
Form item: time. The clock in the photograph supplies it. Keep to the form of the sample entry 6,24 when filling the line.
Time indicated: 4,22
